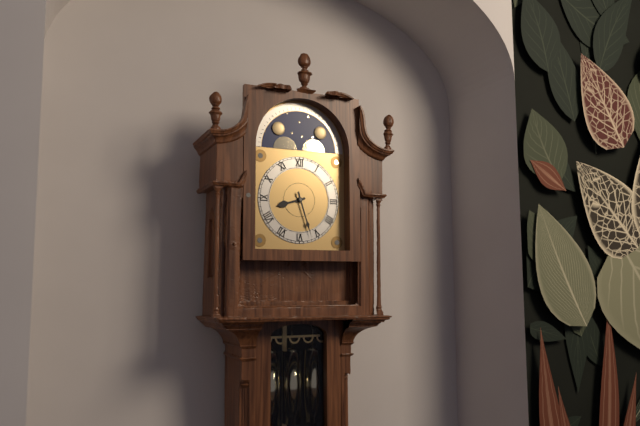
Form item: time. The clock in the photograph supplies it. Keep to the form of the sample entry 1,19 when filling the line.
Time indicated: 8,27
